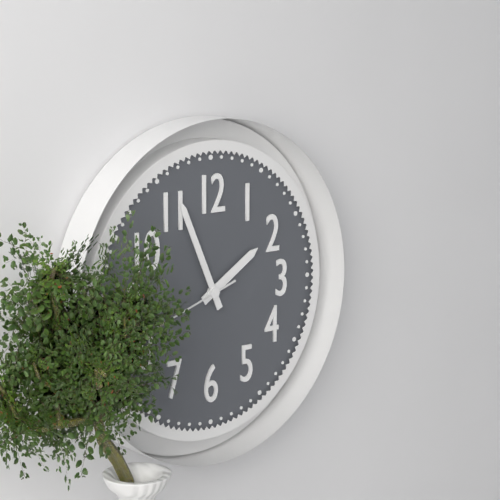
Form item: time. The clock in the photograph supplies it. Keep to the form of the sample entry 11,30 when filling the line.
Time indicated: 1,56
